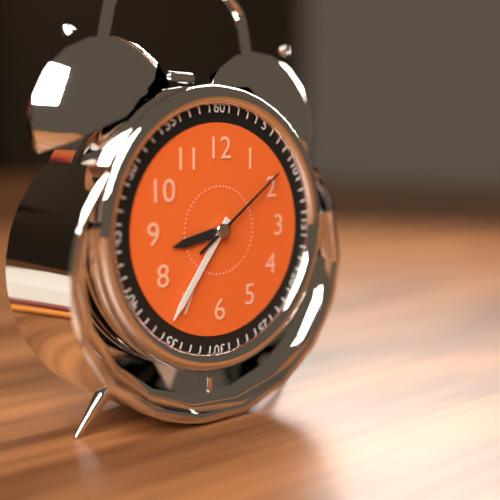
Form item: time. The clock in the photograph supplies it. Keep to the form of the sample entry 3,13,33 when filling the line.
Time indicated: 8,36,09
